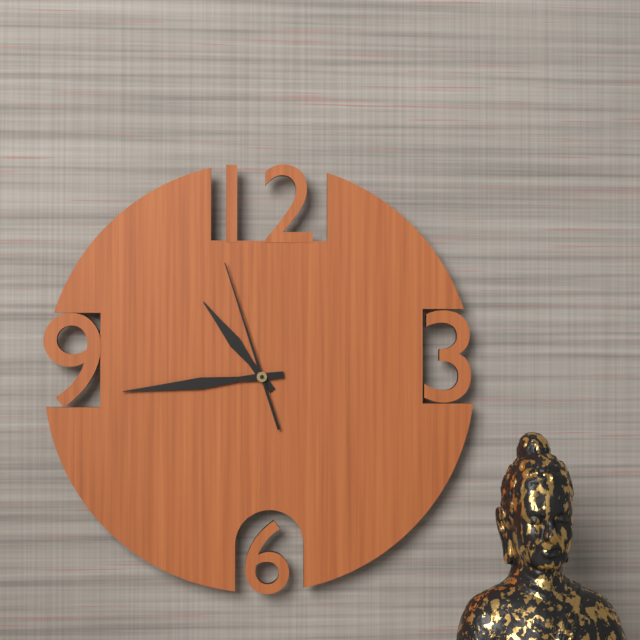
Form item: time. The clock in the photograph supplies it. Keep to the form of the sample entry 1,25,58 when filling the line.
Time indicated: 10,44,57
